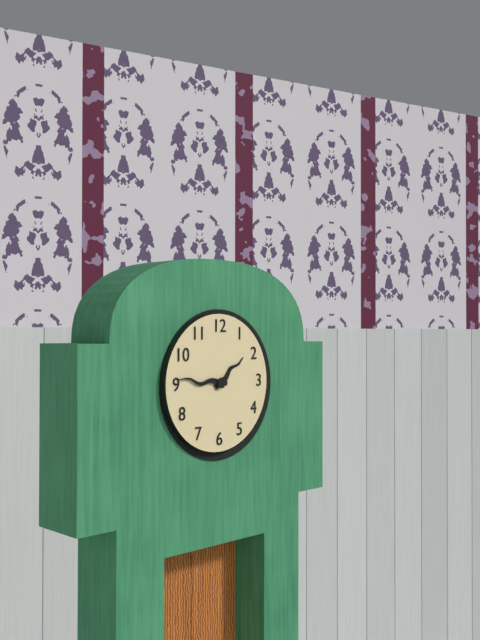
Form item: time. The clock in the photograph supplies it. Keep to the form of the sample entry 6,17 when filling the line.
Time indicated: 1,46
